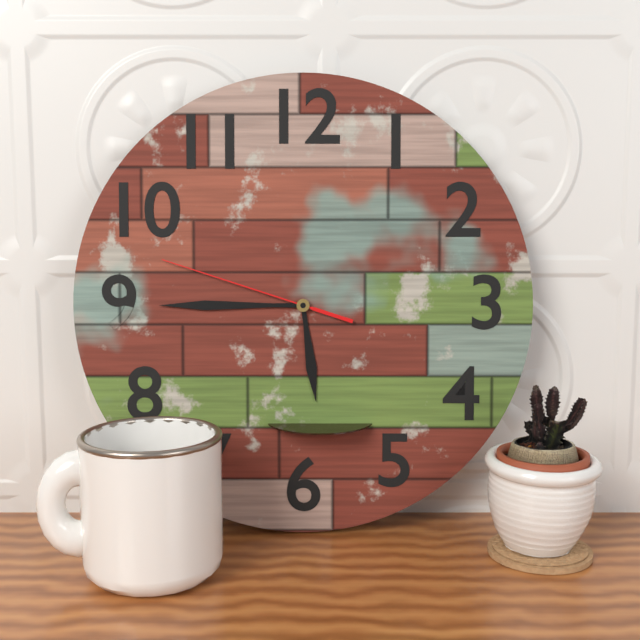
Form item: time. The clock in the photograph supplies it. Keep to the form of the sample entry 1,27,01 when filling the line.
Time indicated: 5,45,48
